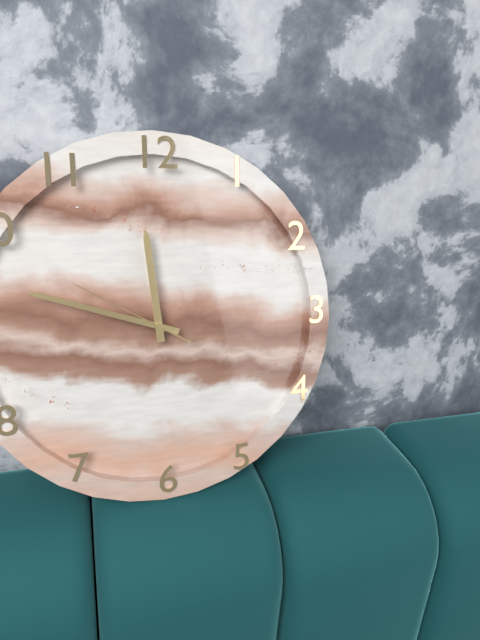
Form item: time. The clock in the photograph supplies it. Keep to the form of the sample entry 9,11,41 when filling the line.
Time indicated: 11,48,50
